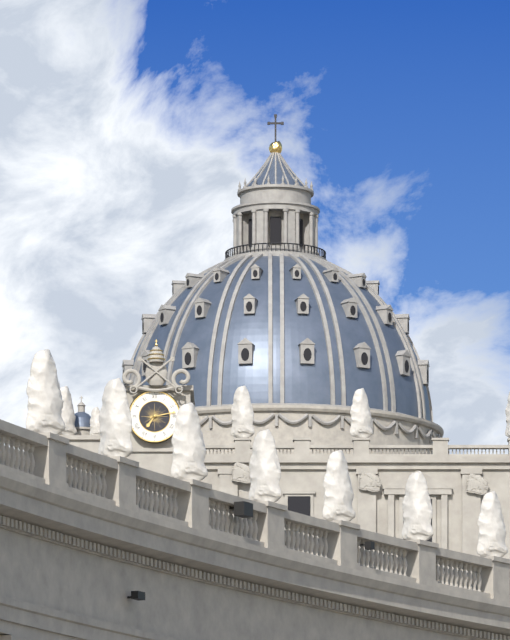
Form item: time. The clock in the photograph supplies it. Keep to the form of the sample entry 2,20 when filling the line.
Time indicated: 7,13
